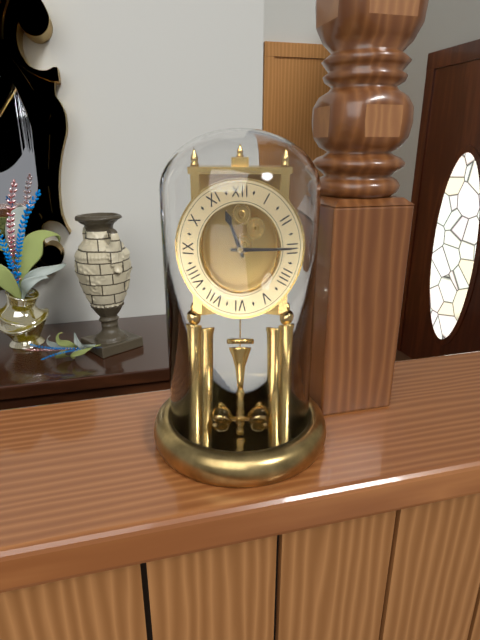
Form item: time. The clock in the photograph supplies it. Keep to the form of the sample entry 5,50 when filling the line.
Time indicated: 11,15
